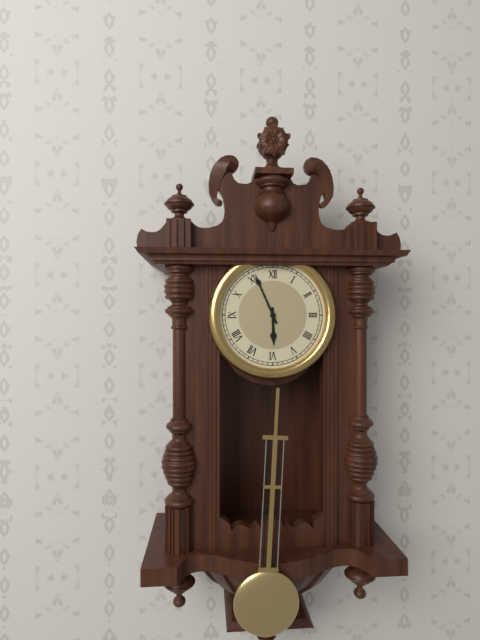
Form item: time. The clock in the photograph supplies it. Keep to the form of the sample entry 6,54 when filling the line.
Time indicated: 5,56
